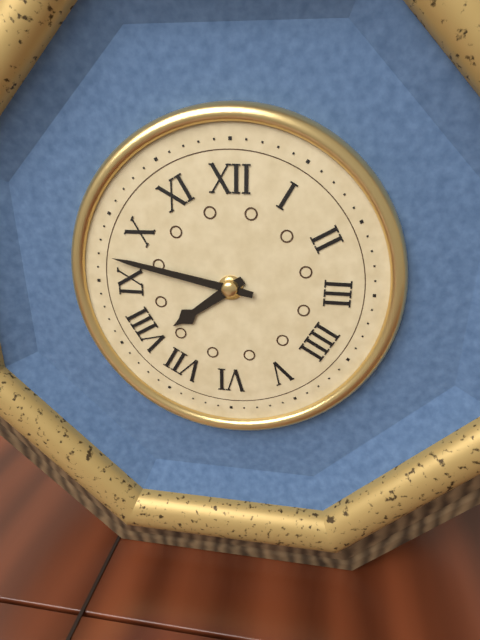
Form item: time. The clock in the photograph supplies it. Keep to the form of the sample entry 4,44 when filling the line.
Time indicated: 7,47
